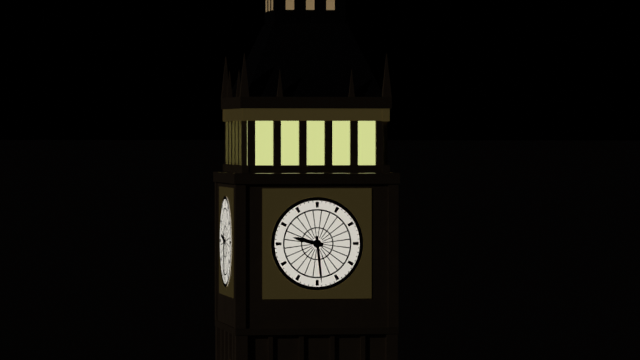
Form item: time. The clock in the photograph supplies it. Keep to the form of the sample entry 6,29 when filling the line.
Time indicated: 9,29
